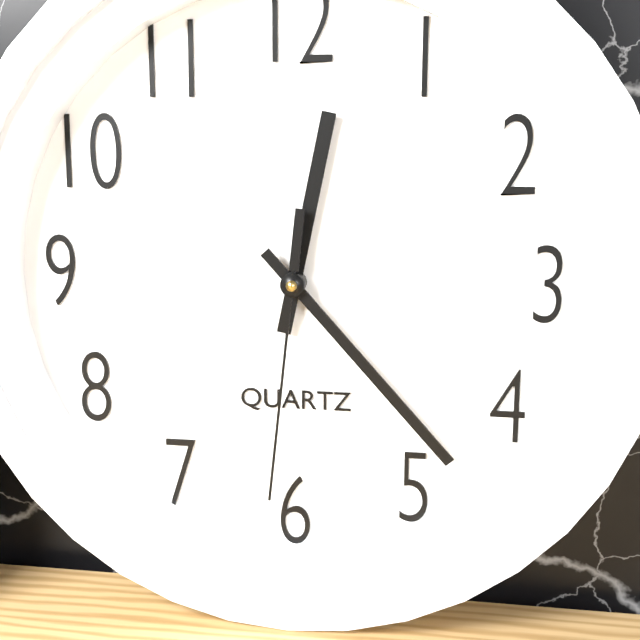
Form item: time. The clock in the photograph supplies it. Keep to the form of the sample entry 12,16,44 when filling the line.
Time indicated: 12,23,31
